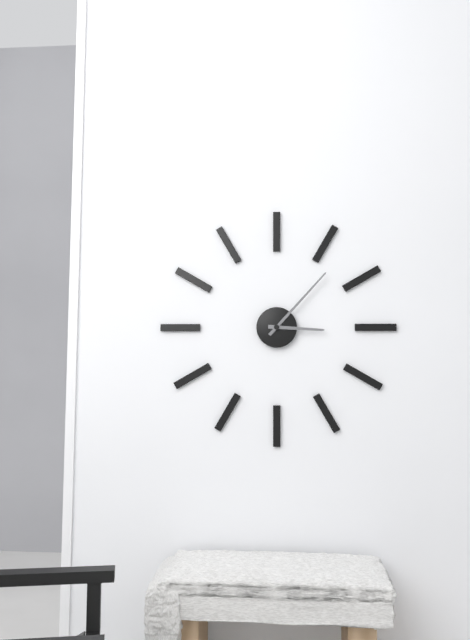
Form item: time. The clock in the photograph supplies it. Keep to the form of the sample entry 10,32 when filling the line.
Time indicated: 3,07
